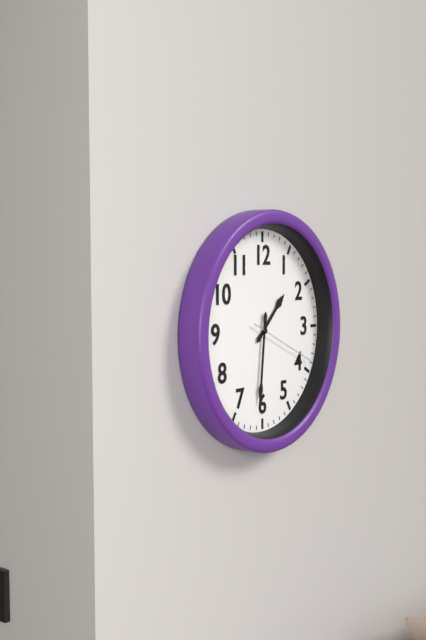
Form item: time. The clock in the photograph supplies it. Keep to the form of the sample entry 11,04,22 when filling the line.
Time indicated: 1,31,19
